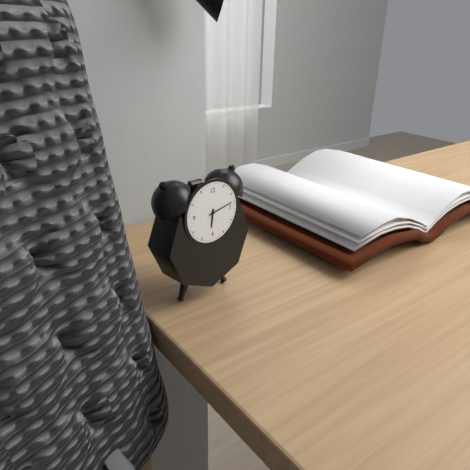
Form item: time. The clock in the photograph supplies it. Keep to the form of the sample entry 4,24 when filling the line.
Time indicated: 6,13
